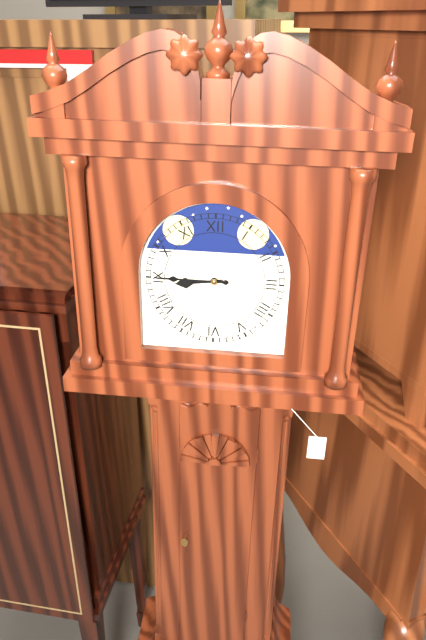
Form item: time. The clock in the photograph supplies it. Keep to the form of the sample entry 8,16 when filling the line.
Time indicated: 8,45
